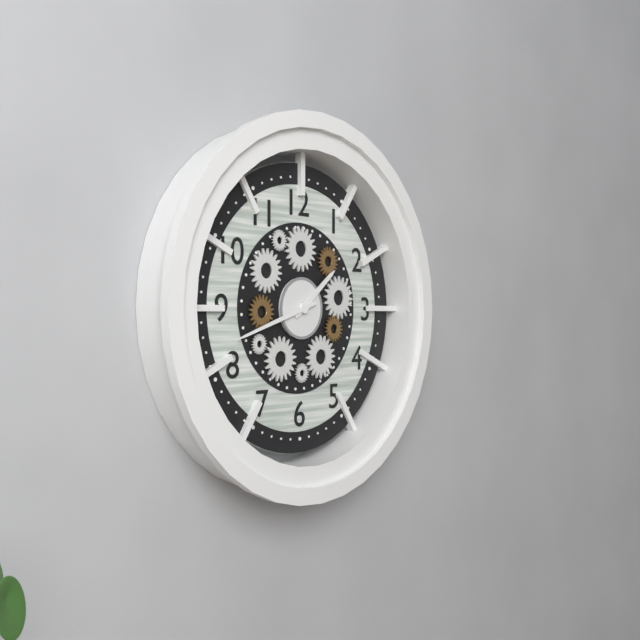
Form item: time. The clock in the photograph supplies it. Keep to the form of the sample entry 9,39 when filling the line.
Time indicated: 1,42
